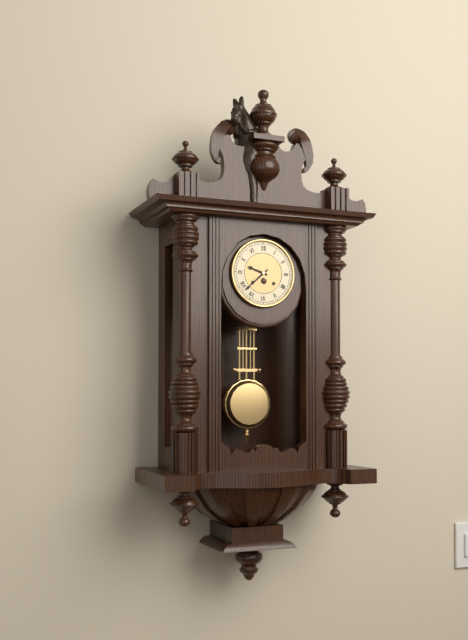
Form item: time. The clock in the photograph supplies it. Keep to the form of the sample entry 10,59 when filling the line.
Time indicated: 9,38
